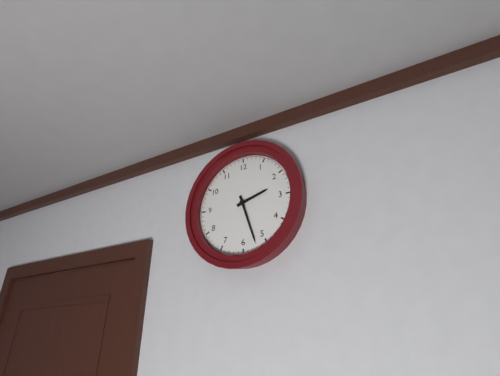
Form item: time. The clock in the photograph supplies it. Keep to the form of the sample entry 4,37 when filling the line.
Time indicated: 2,27
